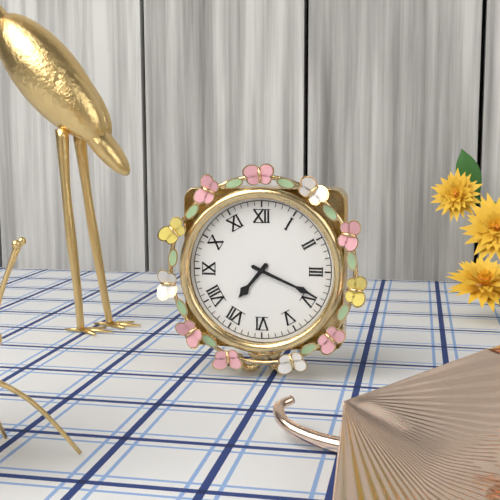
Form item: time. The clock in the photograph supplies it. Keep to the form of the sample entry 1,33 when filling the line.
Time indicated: 7,19
